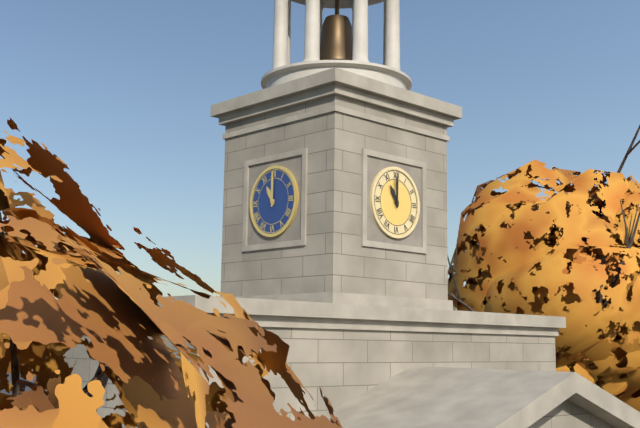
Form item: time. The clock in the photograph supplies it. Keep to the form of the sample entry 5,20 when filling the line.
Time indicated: 11,00
